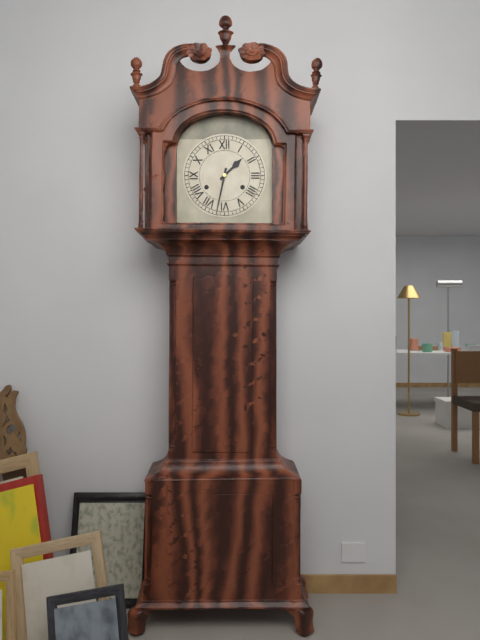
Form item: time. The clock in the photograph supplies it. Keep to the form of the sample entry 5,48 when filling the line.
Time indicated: 1,32
